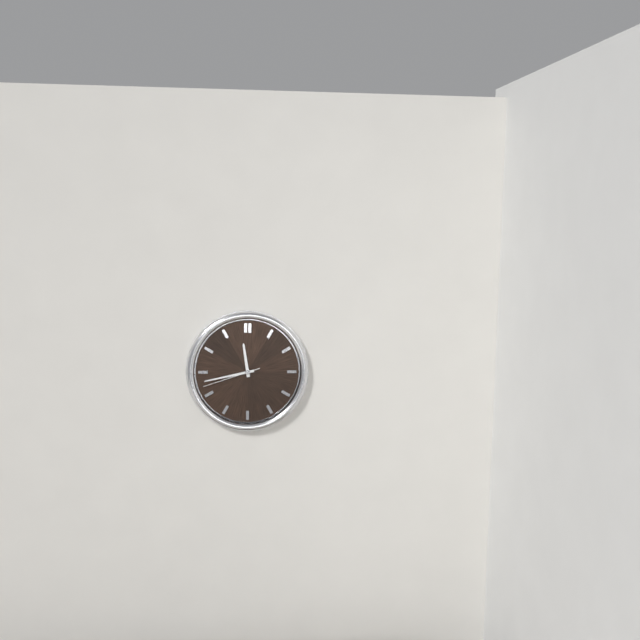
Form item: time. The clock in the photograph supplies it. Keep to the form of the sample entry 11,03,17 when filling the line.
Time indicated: 11,43,42
